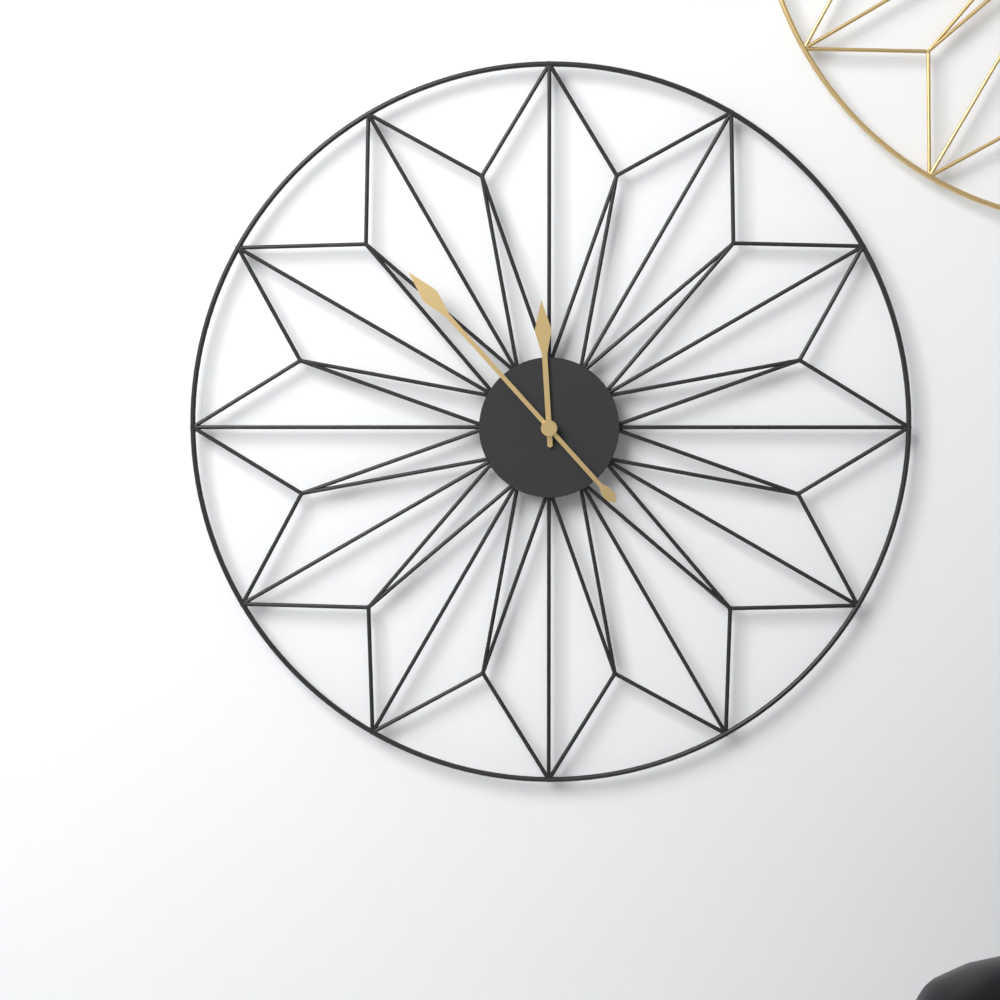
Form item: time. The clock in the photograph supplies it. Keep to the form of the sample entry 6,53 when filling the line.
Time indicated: 11,53
